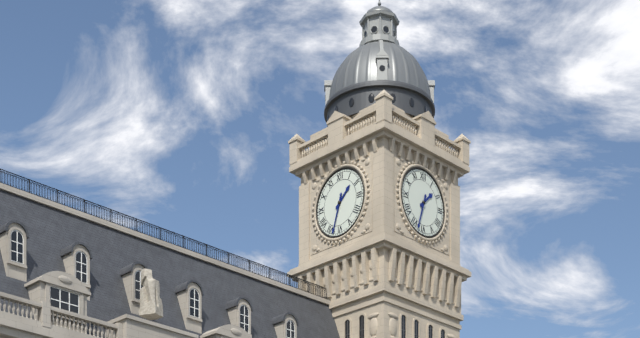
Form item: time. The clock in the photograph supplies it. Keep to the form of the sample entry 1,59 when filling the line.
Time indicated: 1,33
